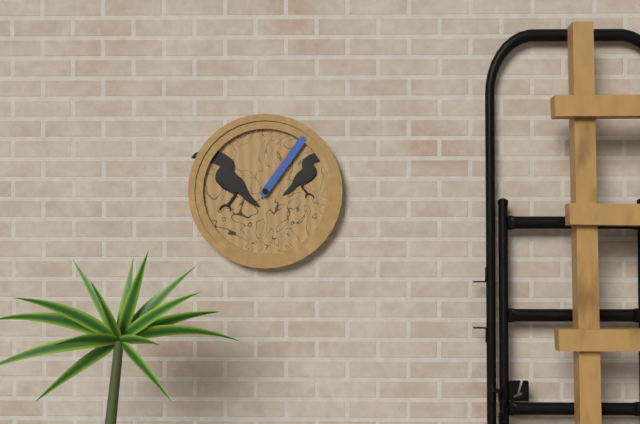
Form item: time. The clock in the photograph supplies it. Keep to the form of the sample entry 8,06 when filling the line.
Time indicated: 1,06
